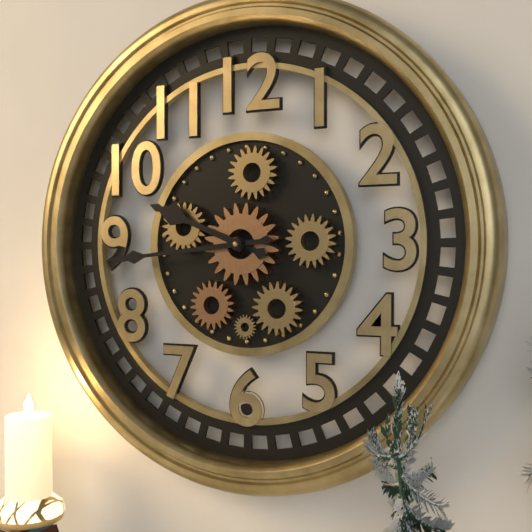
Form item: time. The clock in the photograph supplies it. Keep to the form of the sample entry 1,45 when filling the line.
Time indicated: 9,44
